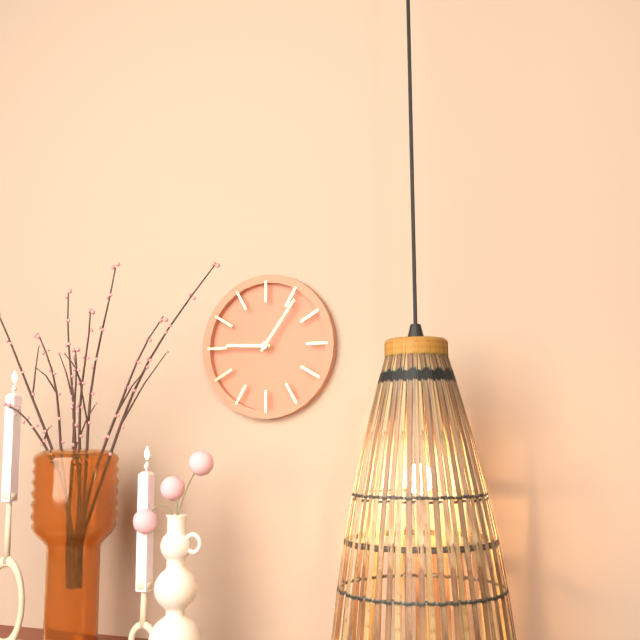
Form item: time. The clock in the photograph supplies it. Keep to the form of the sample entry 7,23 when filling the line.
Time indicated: 9,06
